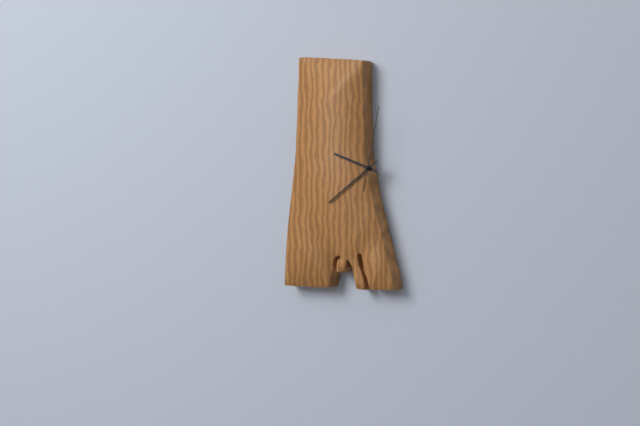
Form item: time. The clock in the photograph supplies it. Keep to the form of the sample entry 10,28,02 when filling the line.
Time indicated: 9,39,02
